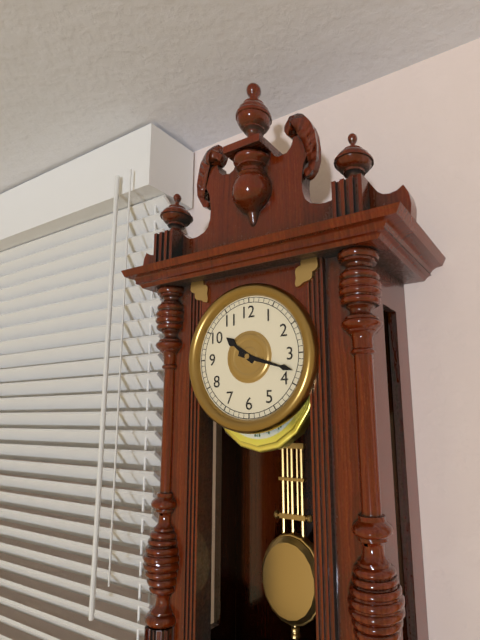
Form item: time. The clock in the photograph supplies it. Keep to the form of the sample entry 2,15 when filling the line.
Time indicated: 10,18
